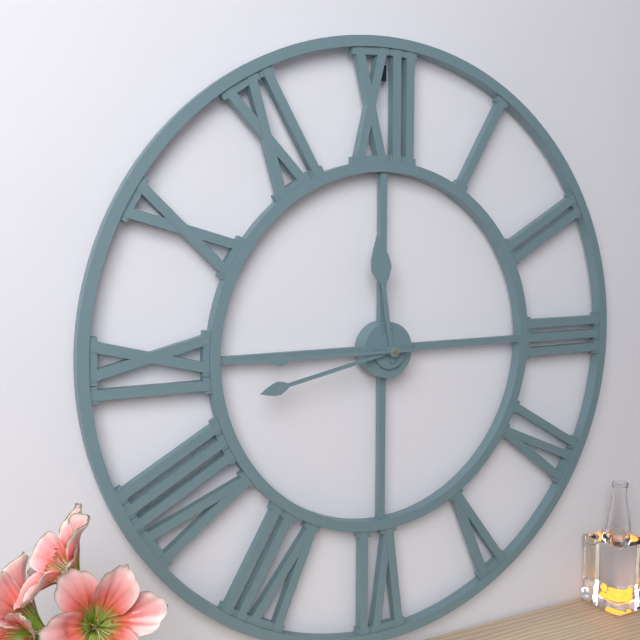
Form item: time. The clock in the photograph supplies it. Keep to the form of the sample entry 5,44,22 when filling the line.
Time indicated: 11,43,45
